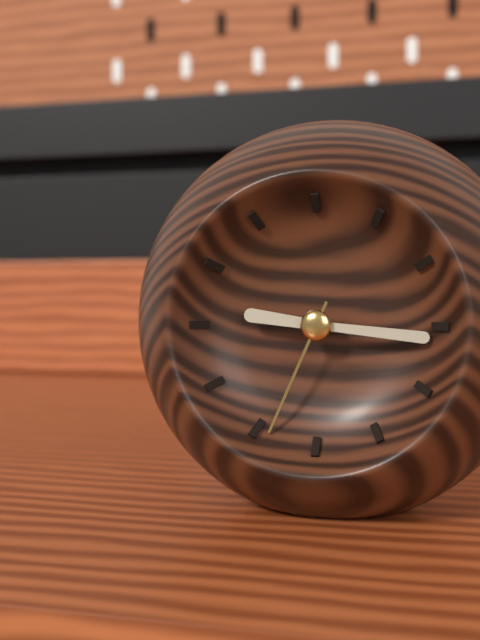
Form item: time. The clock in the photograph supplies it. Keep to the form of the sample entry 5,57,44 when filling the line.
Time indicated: 9,16,34
